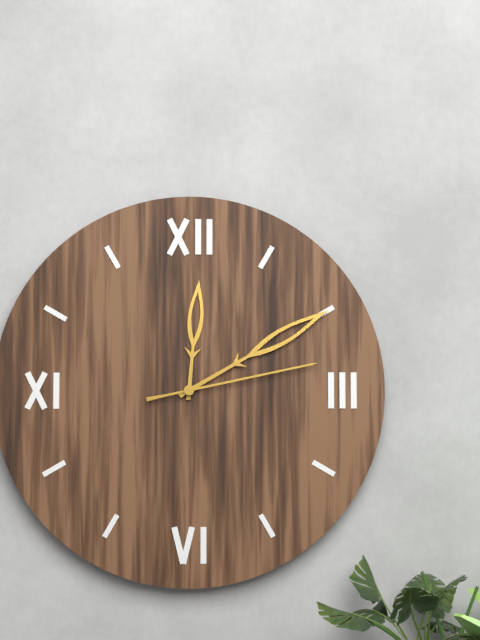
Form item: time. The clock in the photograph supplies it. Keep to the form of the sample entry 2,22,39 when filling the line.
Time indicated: 12,10,13
